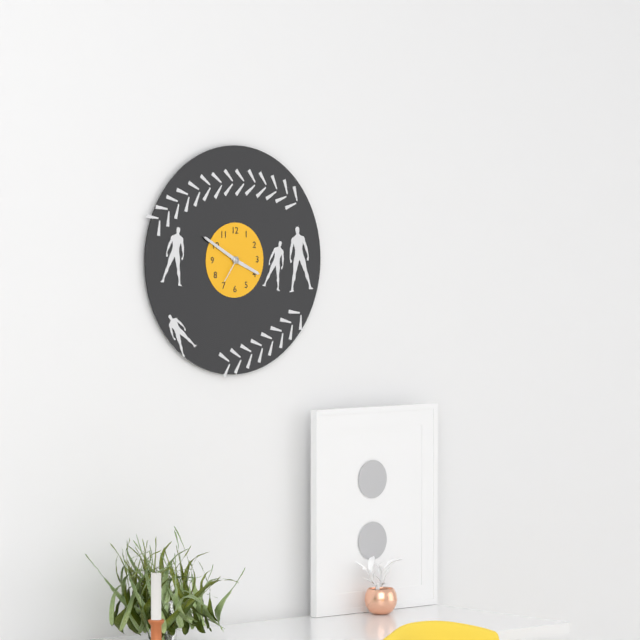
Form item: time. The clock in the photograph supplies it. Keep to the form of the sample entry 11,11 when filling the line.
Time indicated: 3,50
